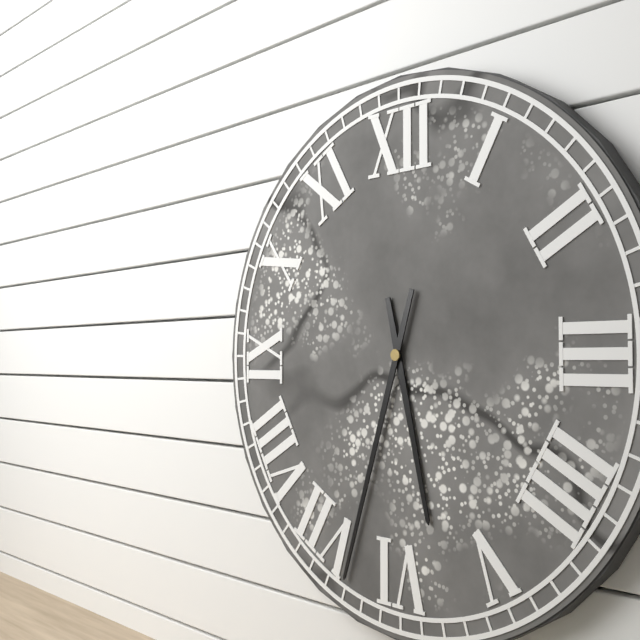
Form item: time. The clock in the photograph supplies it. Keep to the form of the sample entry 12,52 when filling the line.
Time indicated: 5,33
